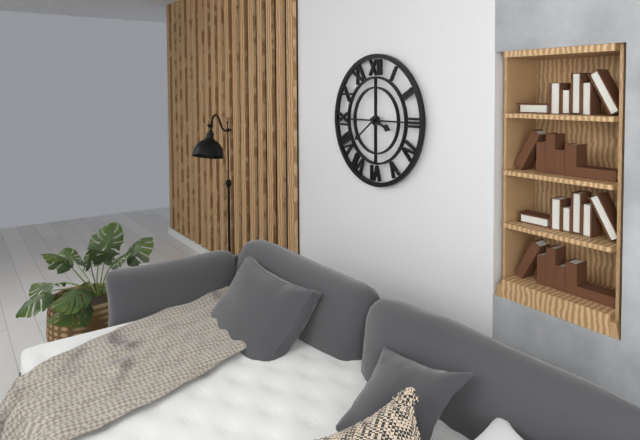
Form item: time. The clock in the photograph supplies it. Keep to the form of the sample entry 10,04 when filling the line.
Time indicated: 3,39
